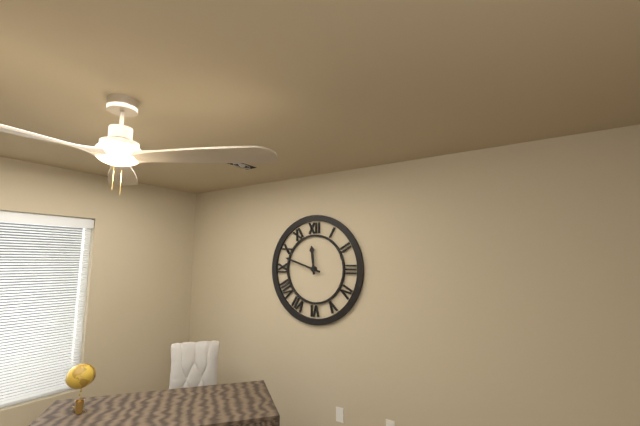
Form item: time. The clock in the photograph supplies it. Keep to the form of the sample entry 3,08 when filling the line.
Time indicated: 11,48
